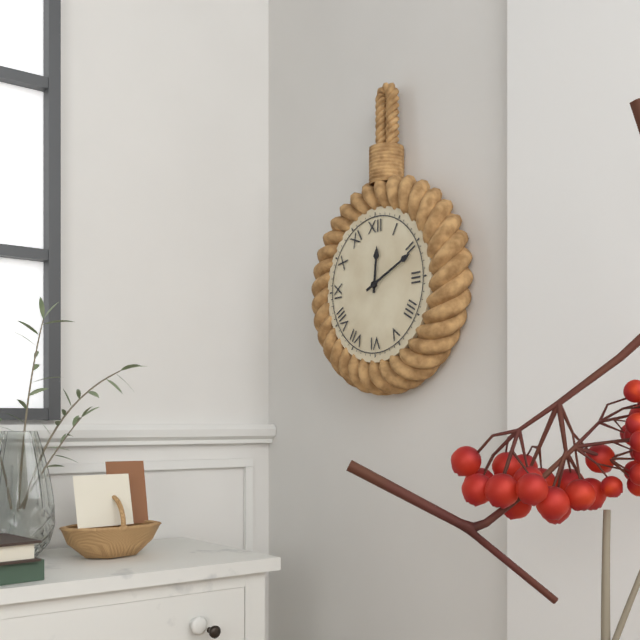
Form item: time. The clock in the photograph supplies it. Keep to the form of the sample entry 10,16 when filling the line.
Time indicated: 12,11
